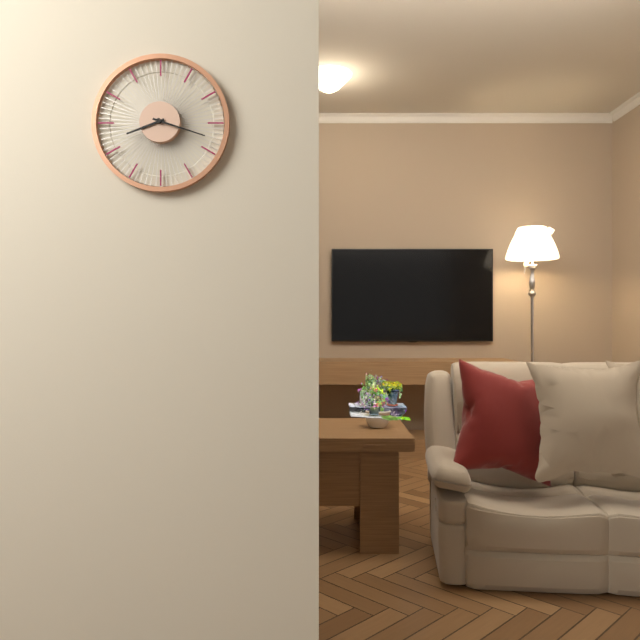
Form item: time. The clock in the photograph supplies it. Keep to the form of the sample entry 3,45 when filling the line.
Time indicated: 8,18
